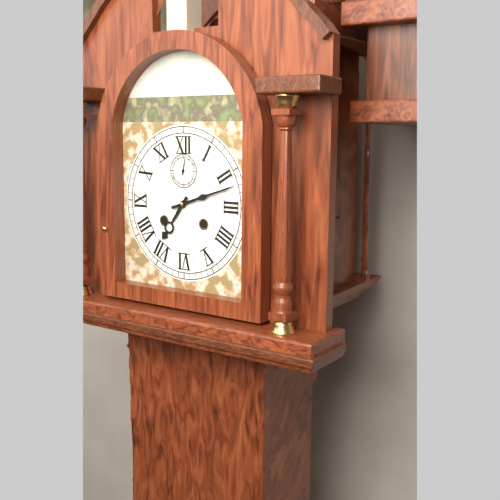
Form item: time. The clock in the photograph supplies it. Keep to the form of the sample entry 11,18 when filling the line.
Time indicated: 7,12
